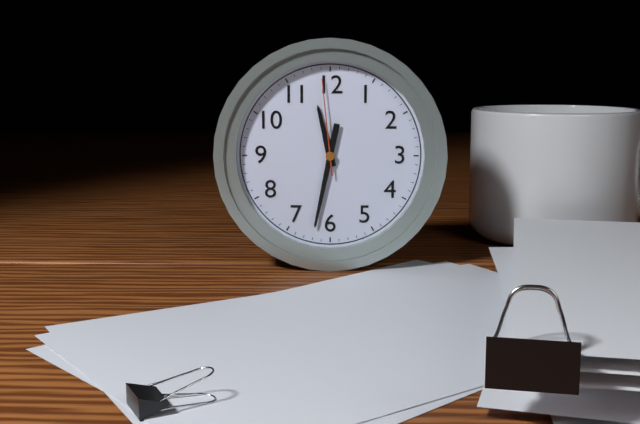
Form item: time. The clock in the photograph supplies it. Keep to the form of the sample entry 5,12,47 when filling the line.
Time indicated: 11,32,59
